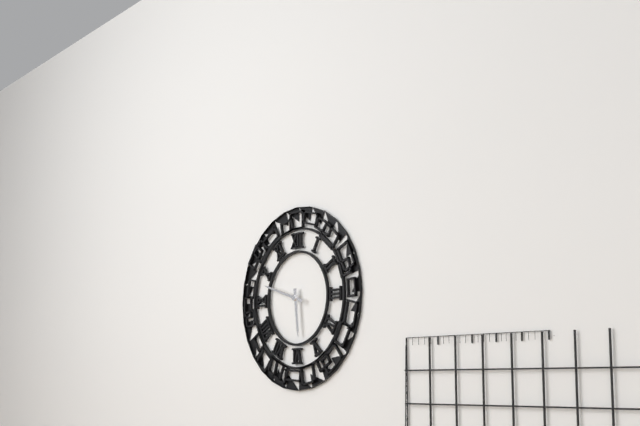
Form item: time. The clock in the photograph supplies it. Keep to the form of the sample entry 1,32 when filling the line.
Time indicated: 5,48
